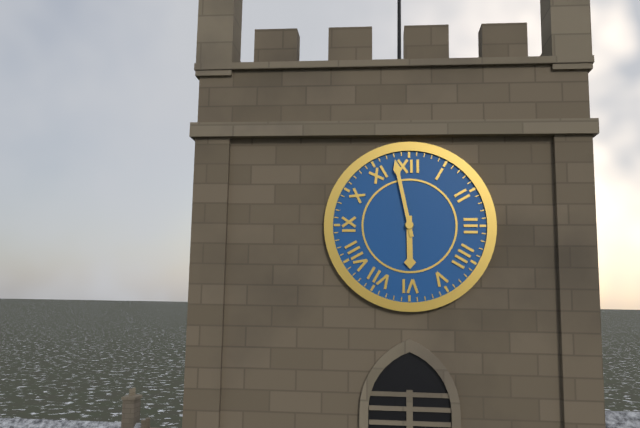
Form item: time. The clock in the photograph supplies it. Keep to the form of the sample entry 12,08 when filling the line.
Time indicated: 5,58
